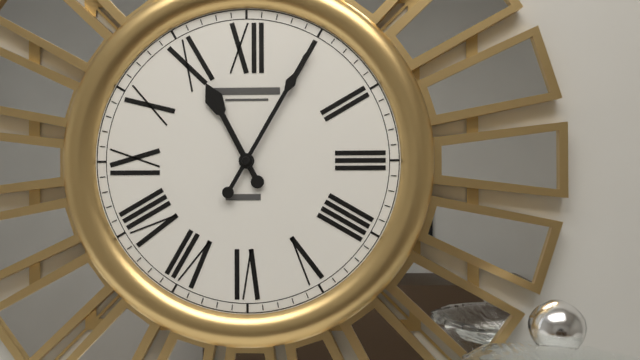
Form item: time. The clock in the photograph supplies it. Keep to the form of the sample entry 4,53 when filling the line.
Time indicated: 11,05
